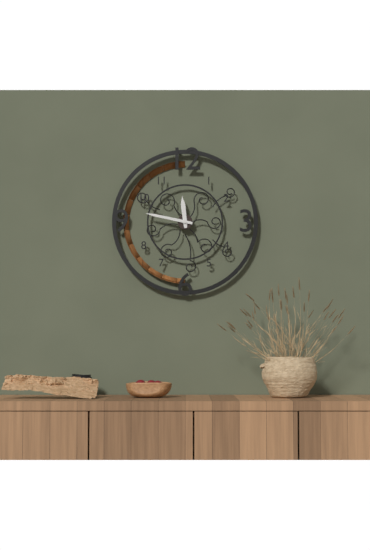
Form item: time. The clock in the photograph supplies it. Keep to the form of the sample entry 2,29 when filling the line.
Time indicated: 11,47
